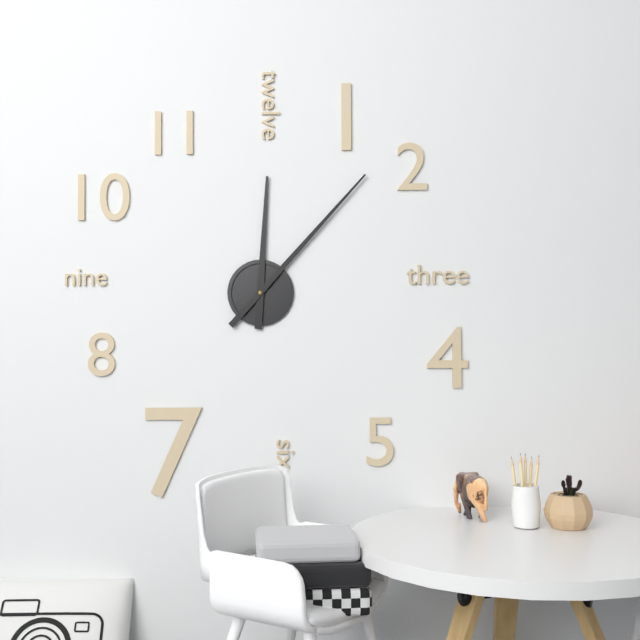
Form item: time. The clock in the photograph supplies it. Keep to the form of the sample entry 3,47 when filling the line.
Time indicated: 12,07
